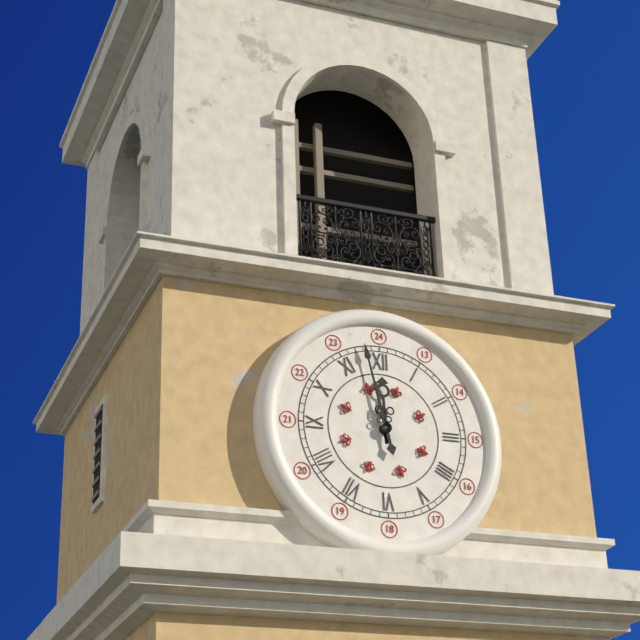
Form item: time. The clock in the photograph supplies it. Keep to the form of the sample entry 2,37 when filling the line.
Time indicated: 11,58
